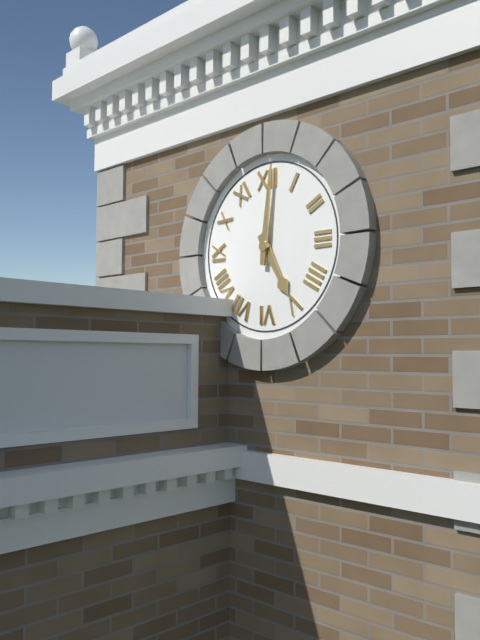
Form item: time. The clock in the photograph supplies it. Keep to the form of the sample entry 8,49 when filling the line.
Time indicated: 5,01
